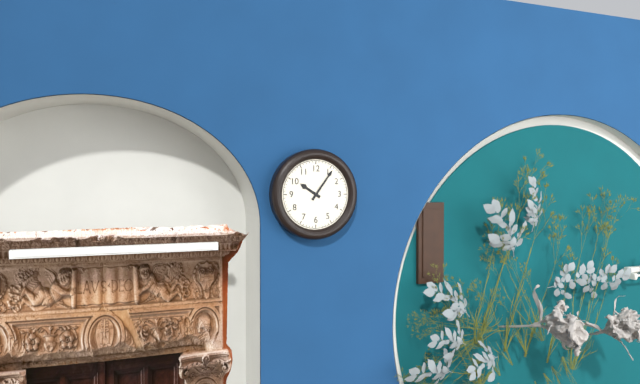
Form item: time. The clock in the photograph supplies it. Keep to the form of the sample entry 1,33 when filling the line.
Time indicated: 10,06
